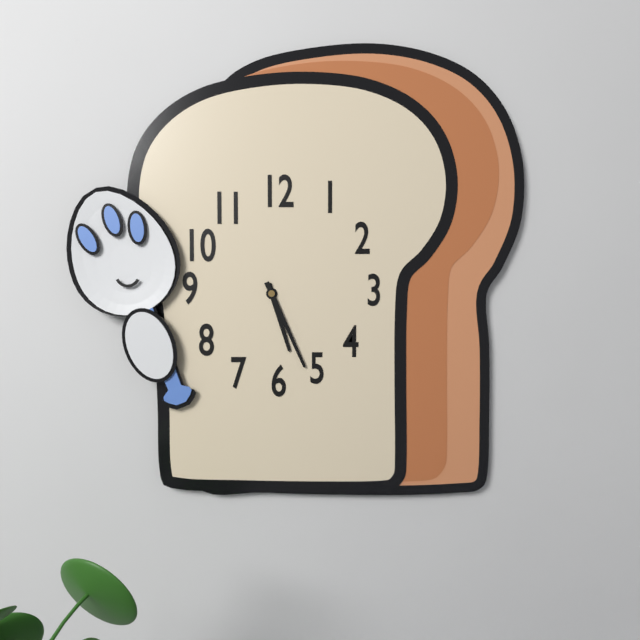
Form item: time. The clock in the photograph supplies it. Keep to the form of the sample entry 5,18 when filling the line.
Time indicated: 5,26
